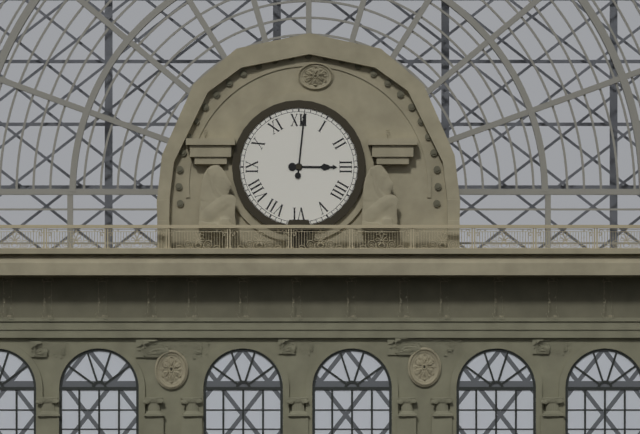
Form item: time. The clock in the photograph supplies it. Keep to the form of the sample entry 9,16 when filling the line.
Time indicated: 3,01
